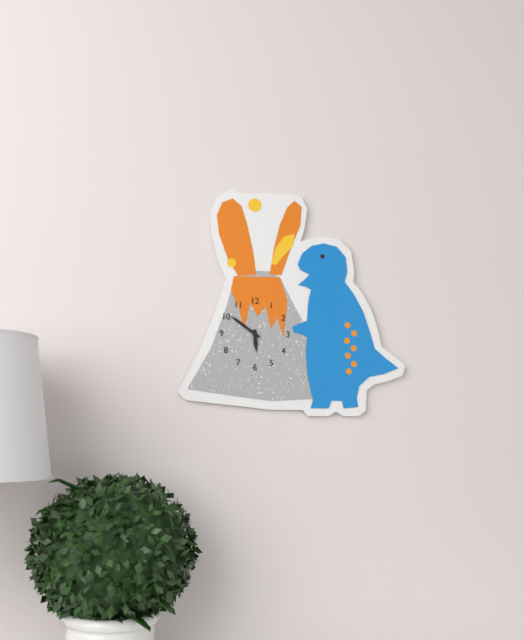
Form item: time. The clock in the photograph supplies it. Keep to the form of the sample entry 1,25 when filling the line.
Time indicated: 5,51
